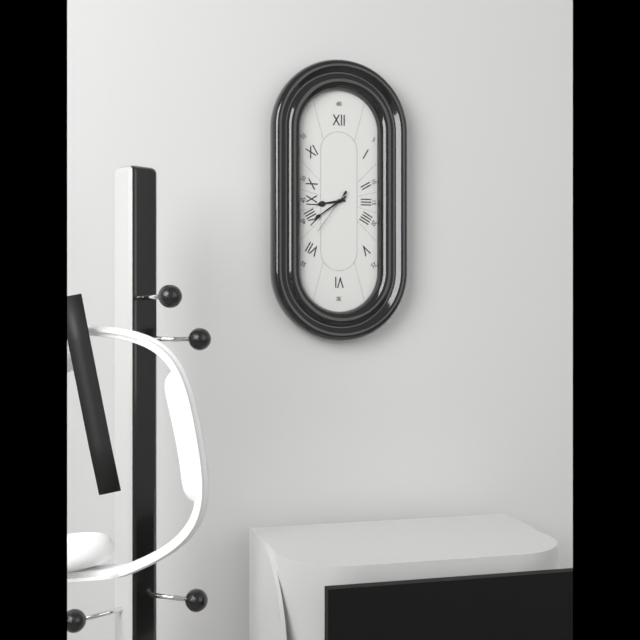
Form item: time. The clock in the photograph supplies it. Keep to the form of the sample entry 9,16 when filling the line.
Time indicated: 8,39
